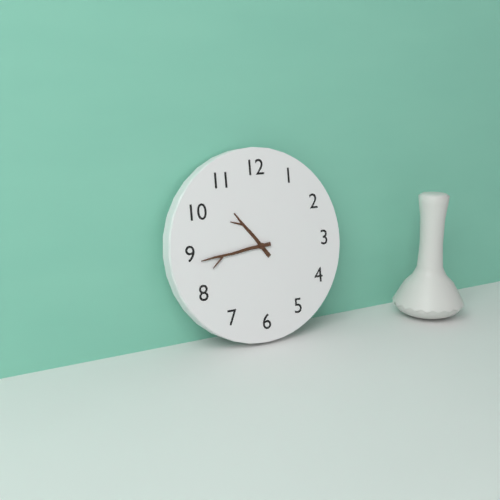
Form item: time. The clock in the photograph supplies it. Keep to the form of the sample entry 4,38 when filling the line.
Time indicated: 10,44
